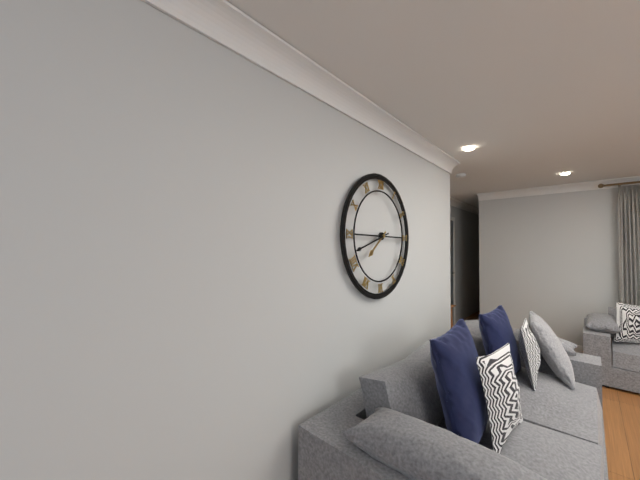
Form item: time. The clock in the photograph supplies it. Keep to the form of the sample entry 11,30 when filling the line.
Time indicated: 7,42
